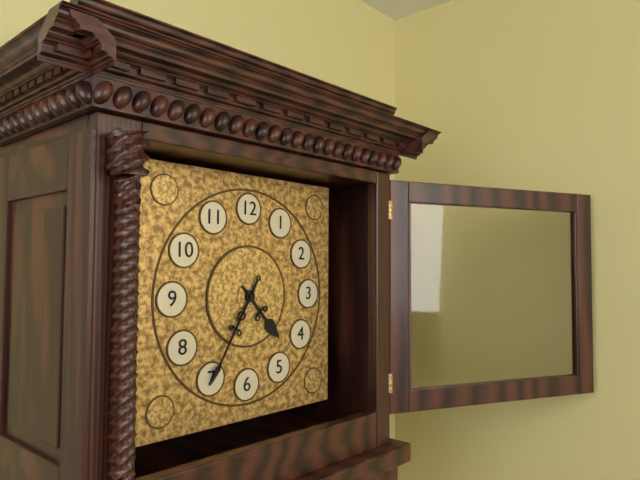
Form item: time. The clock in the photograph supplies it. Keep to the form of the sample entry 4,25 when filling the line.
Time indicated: 4,35
